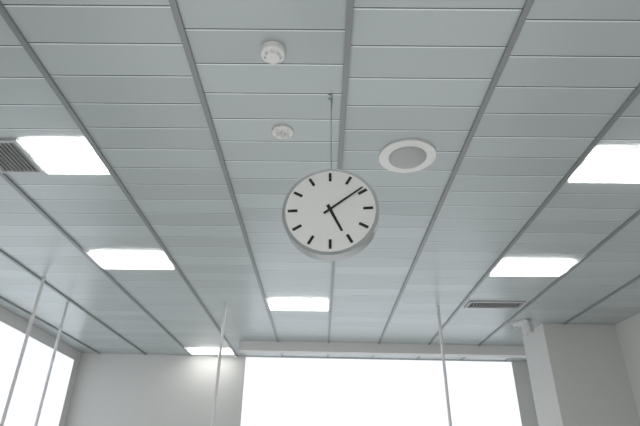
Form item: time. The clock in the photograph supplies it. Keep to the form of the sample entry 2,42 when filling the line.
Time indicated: 5,09
